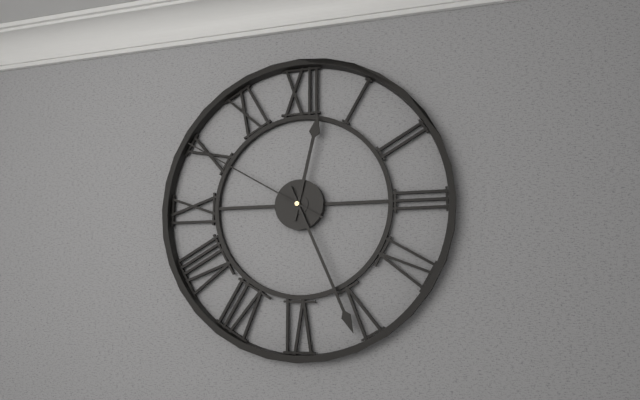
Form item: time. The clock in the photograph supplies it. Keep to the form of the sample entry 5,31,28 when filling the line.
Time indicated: 12,26,50
